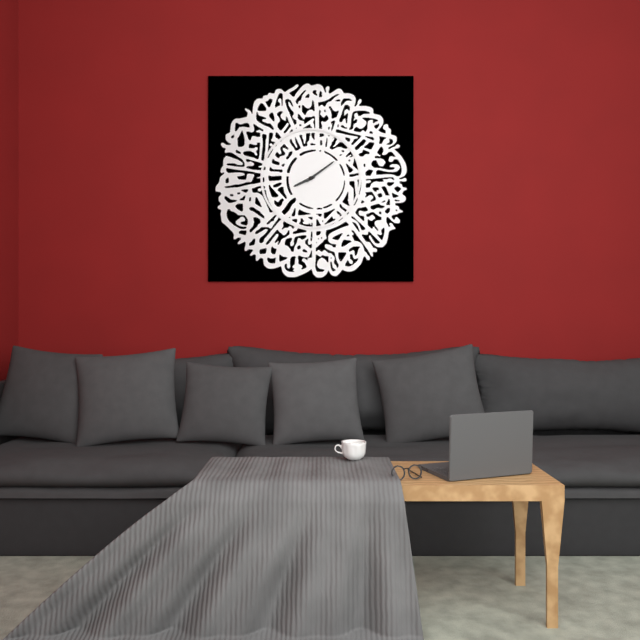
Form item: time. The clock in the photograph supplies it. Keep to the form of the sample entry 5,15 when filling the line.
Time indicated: 8,09
